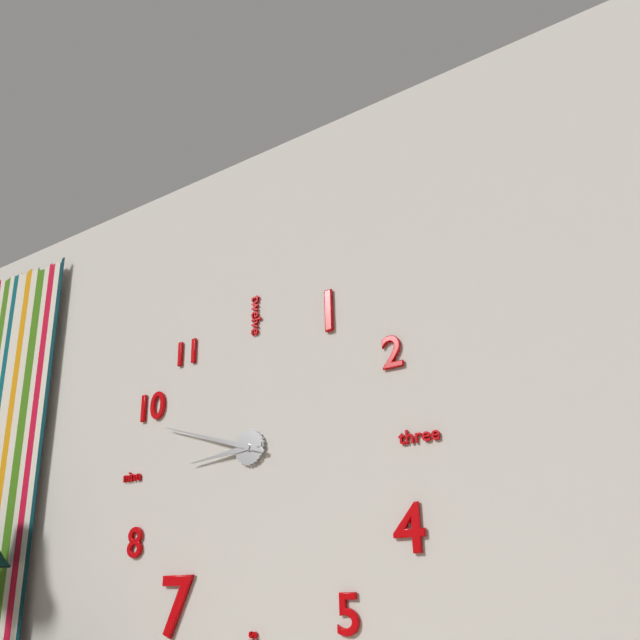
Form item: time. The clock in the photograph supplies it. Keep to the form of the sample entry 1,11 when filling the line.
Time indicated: 8,48
